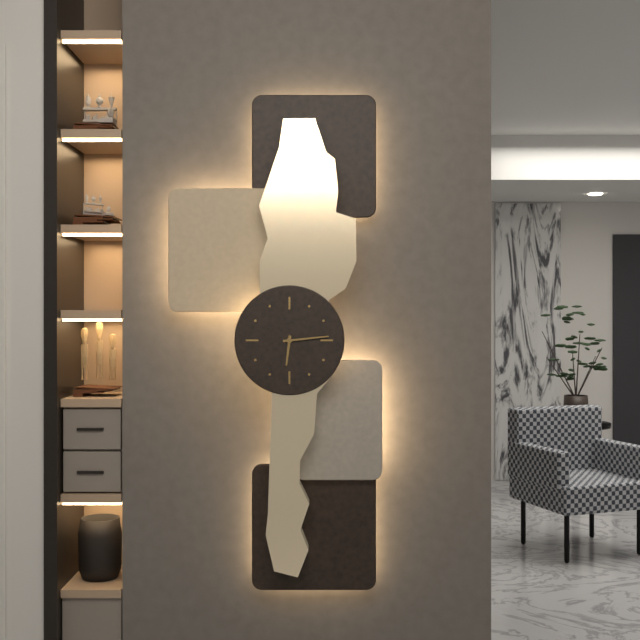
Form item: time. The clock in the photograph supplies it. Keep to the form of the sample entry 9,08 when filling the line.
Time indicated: 6,14
